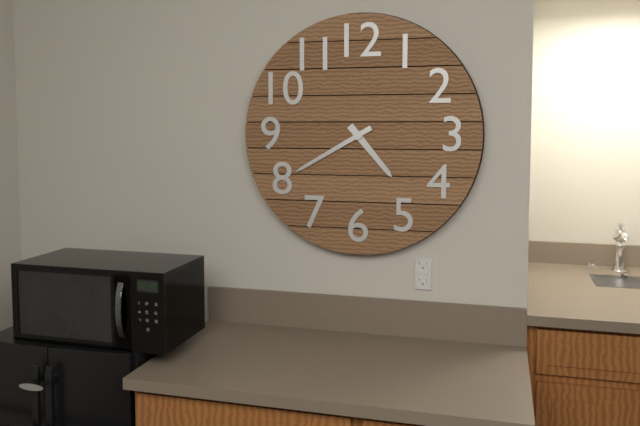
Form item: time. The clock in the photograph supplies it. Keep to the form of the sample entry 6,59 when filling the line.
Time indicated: 4,40
